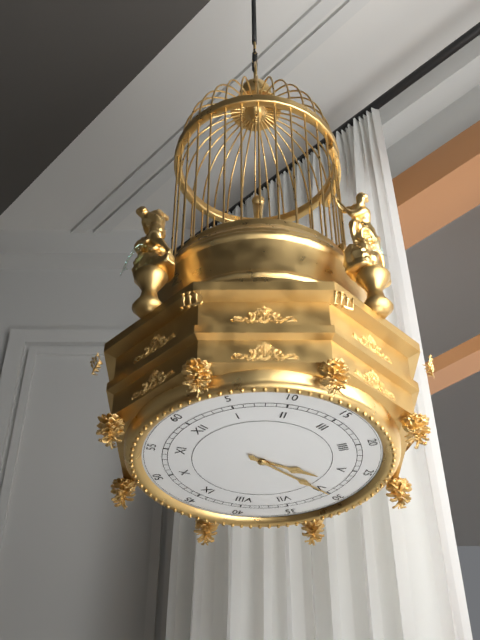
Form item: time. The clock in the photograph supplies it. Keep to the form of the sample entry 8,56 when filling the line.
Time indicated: 5,30
